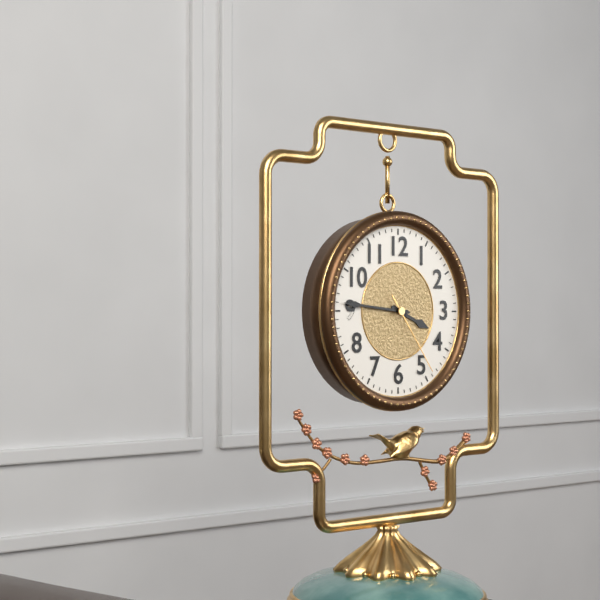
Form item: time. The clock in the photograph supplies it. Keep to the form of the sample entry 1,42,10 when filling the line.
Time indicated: 3,46,24
